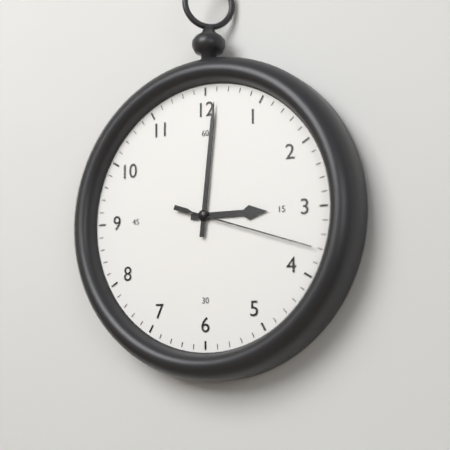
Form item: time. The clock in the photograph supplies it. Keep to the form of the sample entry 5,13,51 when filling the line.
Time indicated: 3,01,18
